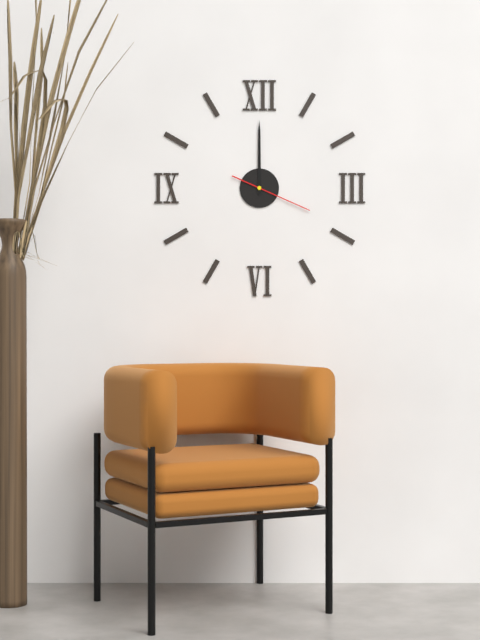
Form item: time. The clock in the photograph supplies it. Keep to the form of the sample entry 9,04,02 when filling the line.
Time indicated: 12,00,19
